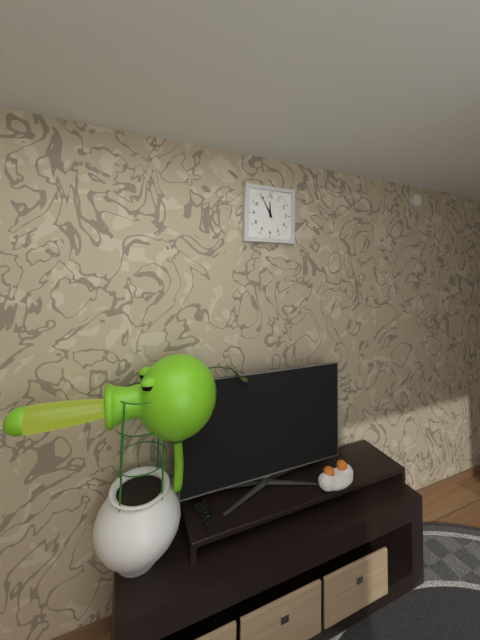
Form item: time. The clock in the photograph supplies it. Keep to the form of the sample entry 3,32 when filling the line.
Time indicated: 11,55
